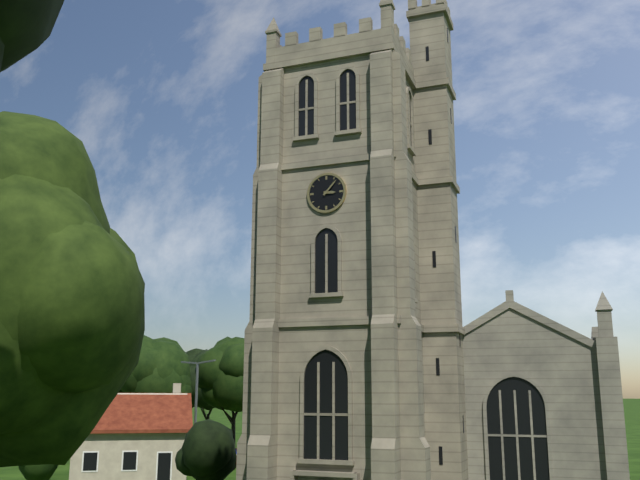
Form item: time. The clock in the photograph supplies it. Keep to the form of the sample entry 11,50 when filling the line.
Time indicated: 3,07
